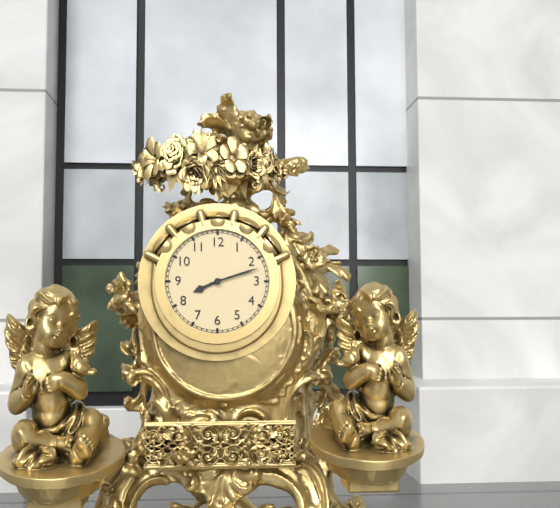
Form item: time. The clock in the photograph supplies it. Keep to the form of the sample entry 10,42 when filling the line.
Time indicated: 8,12
